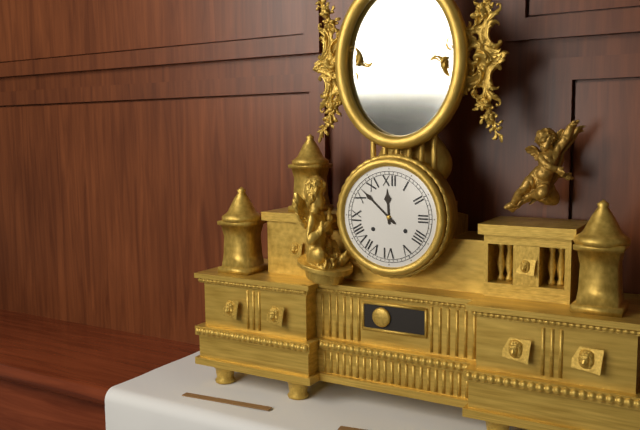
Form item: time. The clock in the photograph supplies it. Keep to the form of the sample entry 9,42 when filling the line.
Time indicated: 11,52
